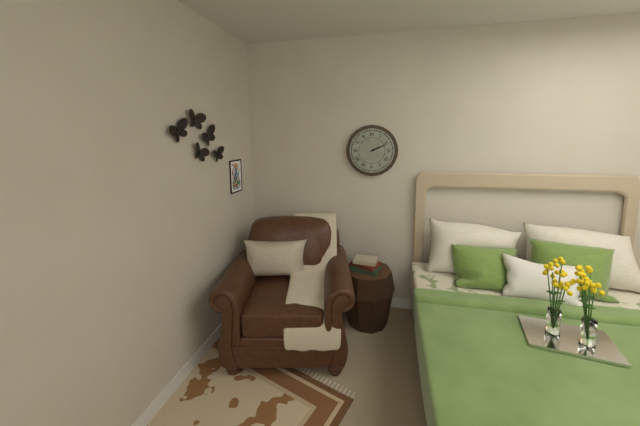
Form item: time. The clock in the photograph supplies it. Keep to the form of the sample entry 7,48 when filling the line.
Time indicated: 2,11
